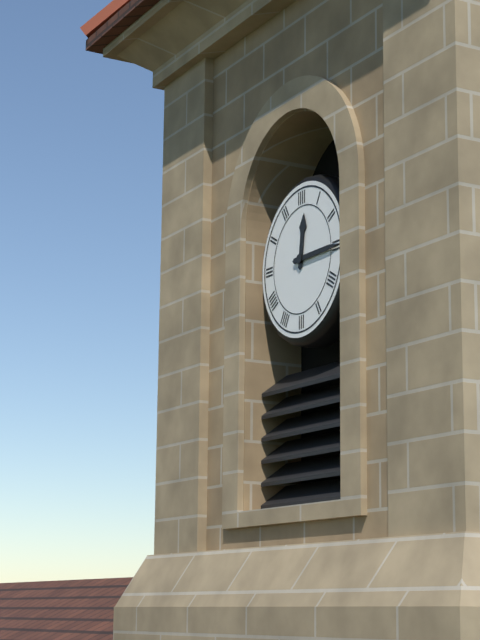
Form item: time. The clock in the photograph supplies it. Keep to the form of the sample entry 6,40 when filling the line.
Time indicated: 12,15
